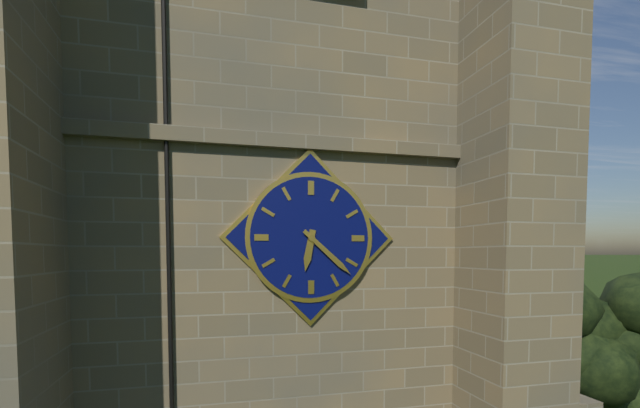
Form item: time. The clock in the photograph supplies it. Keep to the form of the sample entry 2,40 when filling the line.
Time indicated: 6,22
